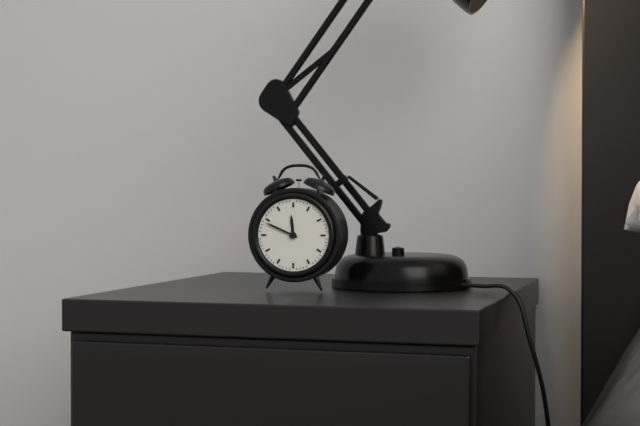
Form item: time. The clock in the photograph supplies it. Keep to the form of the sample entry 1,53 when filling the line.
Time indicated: 11,49
